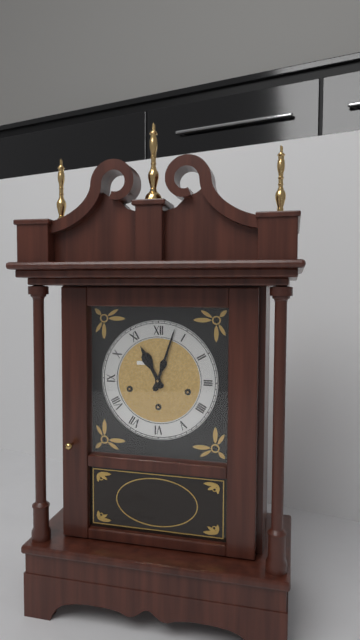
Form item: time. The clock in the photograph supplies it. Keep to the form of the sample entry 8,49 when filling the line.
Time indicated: 11,03
